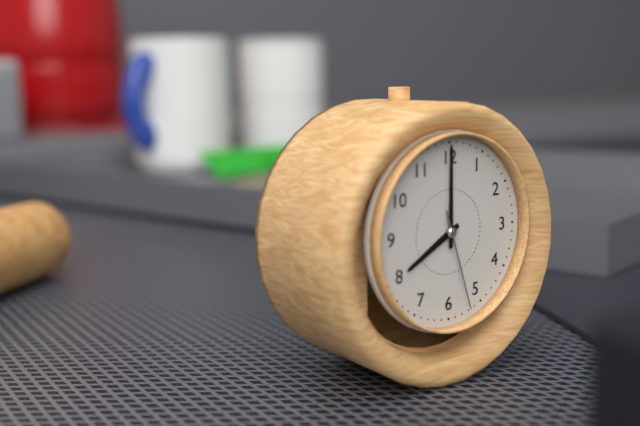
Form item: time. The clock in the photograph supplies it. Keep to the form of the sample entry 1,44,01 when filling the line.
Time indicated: 8,00,27
